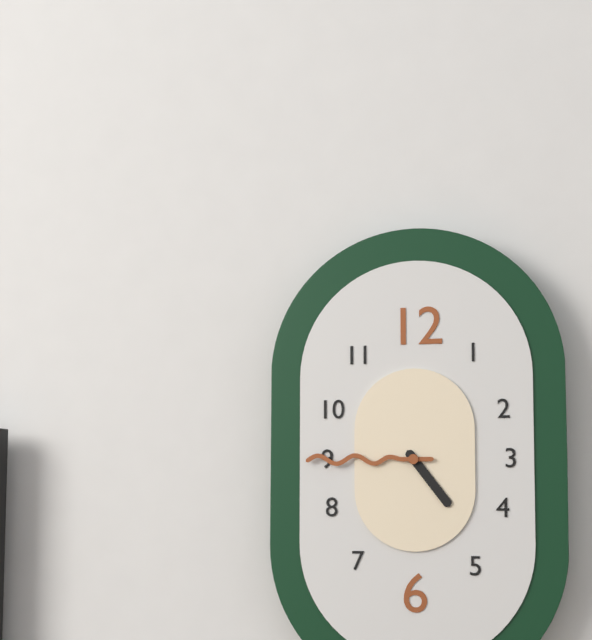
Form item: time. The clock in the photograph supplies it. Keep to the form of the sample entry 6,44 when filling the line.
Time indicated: 4,45
